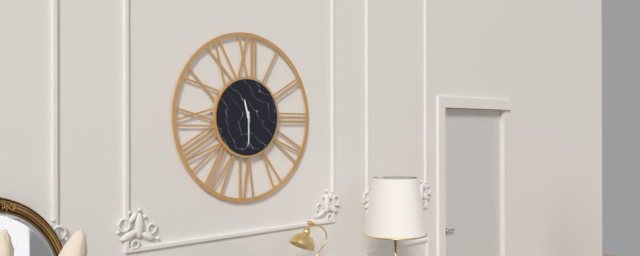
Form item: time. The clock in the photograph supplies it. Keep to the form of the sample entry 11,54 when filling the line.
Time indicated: 11,30
